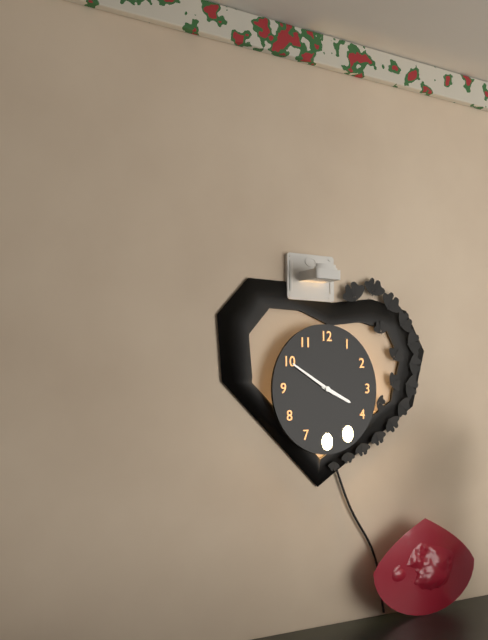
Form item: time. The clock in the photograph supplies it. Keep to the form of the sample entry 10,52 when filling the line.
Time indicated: 3,50
